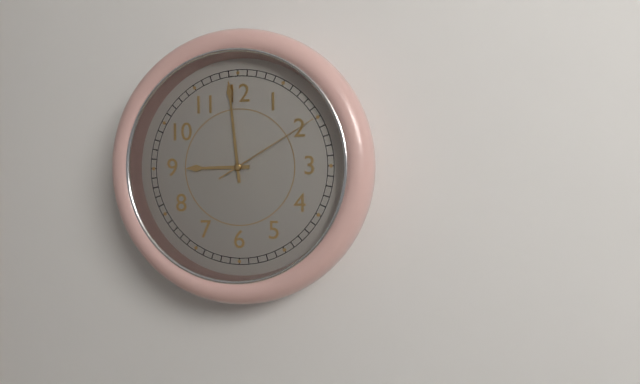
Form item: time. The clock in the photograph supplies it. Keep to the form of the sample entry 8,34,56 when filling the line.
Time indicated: 8,59,10
